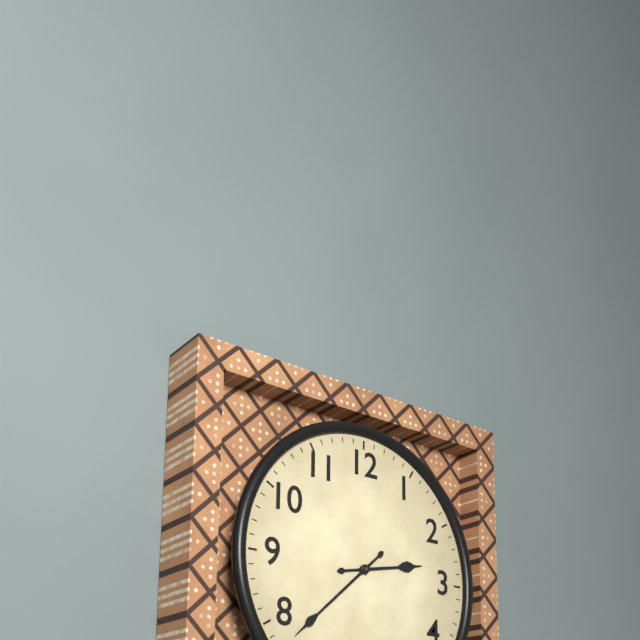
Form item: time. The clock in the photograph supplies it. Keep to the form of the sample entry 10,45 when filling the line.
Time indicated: 2,38
